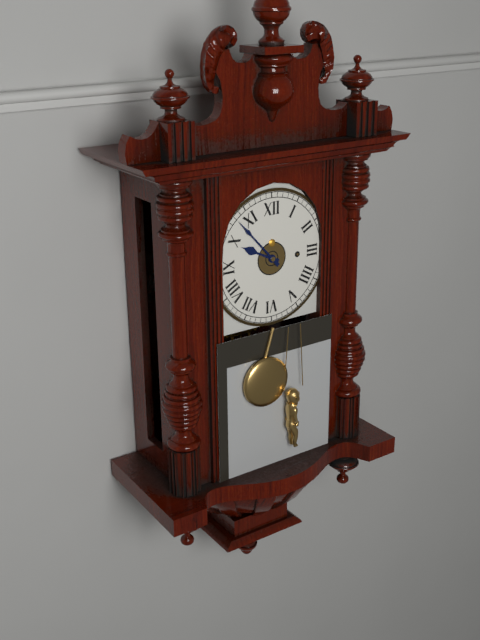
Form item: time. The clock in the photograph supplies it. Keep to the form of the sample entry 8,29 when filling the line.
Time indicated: 9,53
